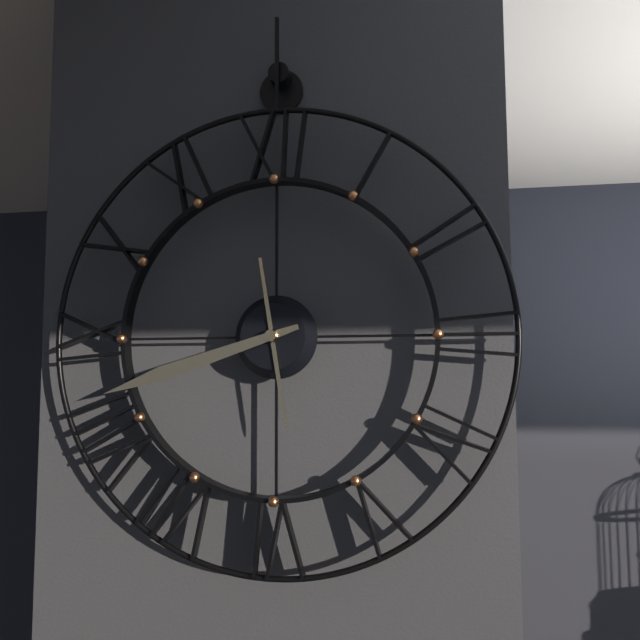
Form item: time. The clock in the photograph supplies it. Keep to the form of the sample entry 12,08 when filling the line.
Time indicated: 5,42
